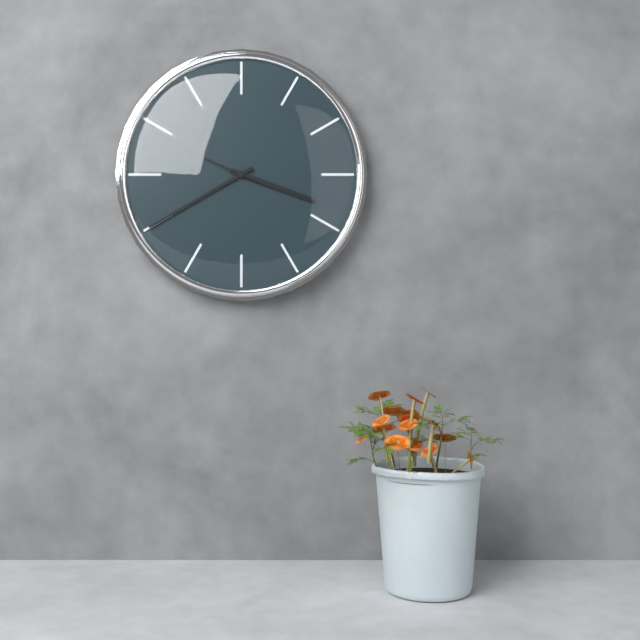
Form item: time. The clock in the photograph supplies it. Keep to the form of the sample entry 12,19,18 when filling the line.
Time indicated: 3,40,49
